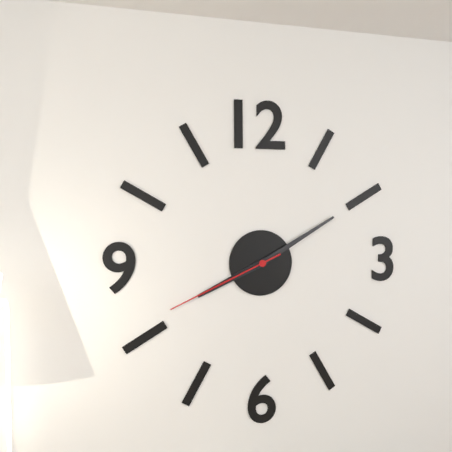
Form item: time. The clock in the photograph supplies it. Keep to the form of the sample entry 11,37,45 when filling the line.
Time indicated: 8,10,41
